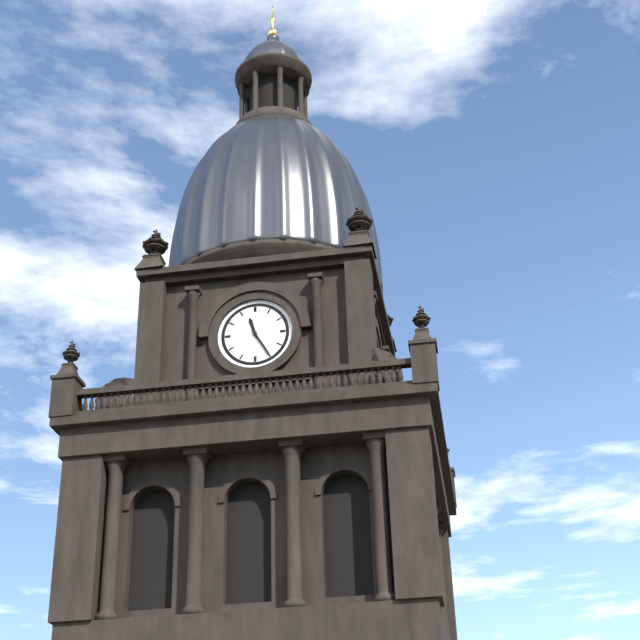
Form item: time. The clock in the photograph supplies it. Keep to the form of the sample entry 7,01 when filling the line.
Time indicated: 11,25
